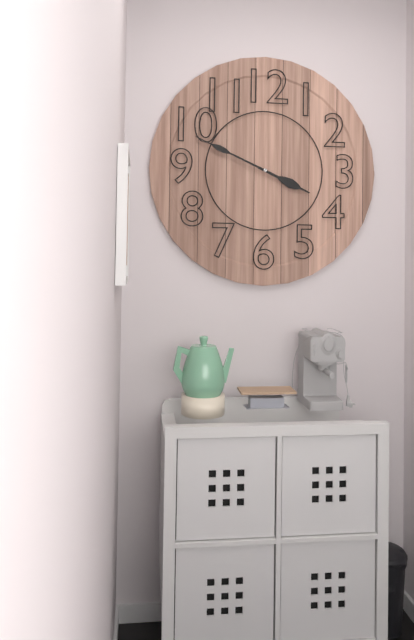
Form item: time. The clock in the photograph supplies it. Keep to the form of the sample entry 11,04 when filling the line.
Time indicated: 3,49
